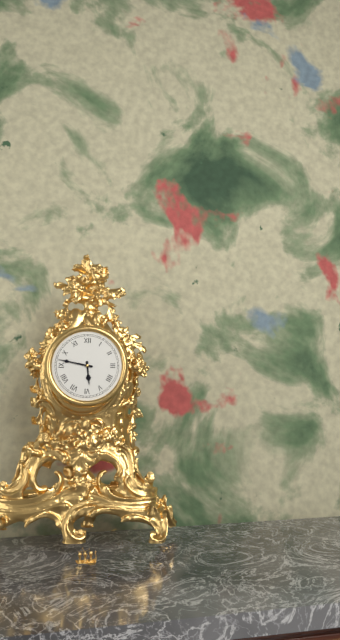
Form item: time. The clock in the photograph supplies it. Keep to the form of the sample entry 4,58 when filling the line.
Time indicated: 5,47
